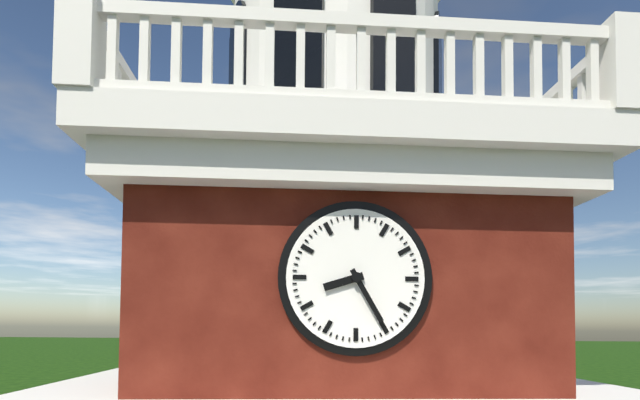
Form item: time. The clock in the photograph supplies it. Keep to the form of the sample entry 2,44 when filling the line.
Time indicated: 8,25
